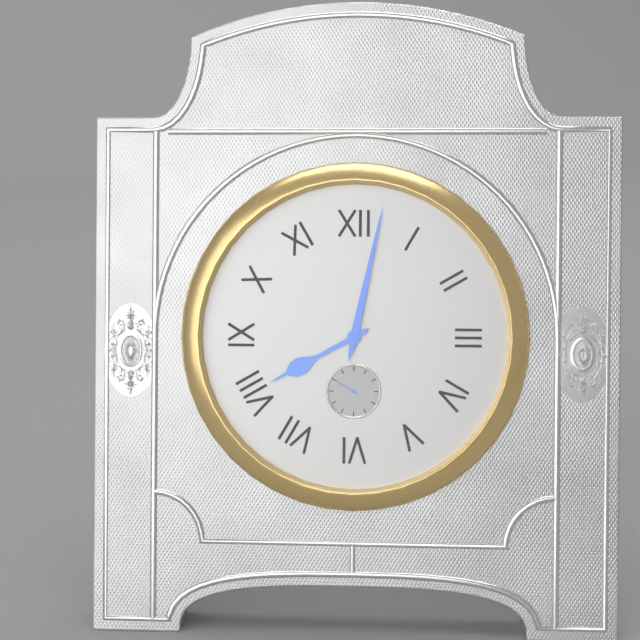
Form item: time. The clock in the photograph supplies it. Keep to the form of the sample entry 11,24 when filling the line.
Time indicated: 8,02
